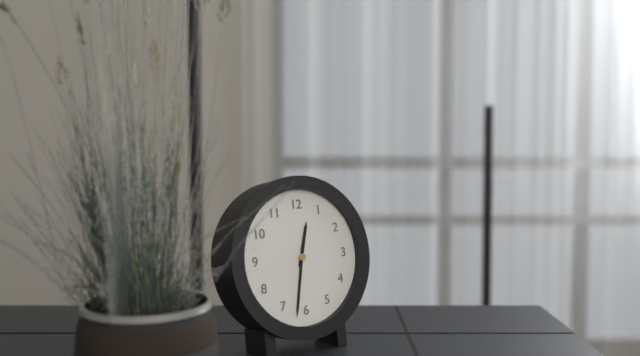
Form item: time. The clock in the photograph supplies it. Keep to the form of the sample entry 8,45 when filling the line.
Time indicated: 12,32
